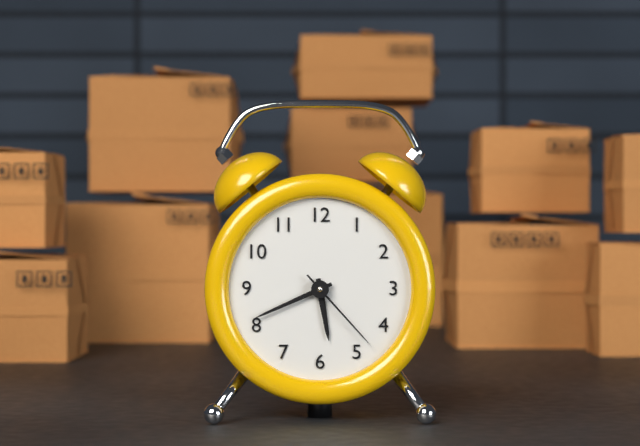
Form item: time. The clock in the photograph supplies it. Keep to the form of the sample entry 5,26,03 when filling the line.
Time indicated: 5,41,23
